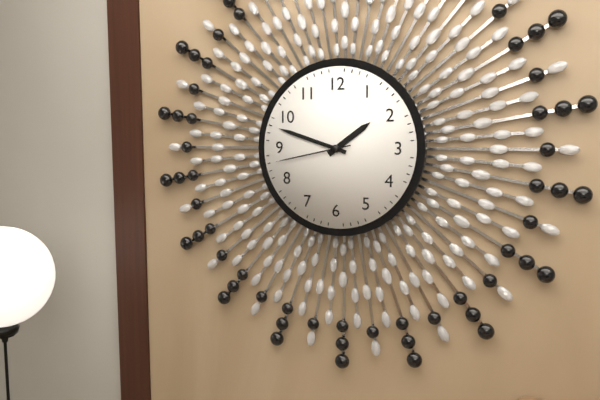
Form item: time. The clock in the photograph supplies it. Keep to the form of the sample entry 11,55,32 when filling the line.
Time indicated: 1,48,43
